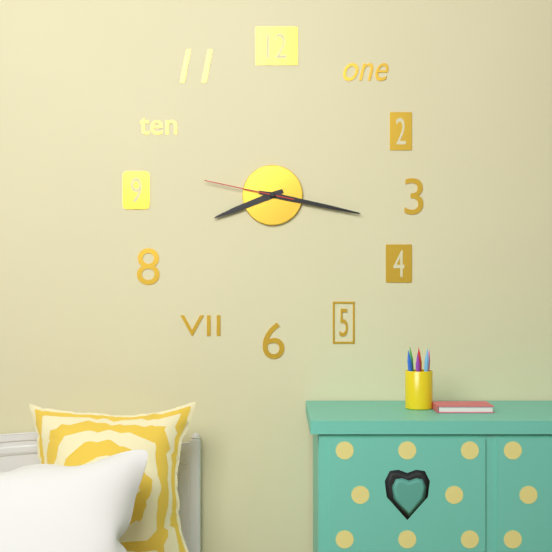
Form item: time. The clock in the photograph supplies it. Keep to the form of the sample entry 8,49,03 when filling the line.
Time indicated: 8,17,47
